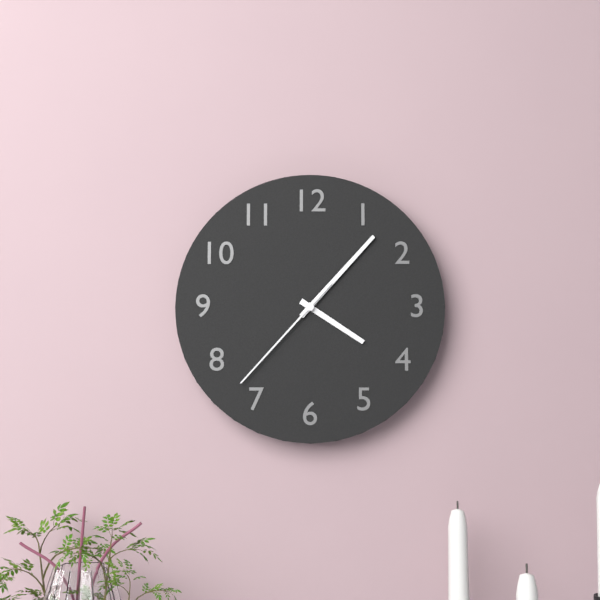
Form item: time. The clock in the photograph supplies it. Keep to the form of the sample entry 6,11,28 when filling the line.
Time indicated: 4,07,37
